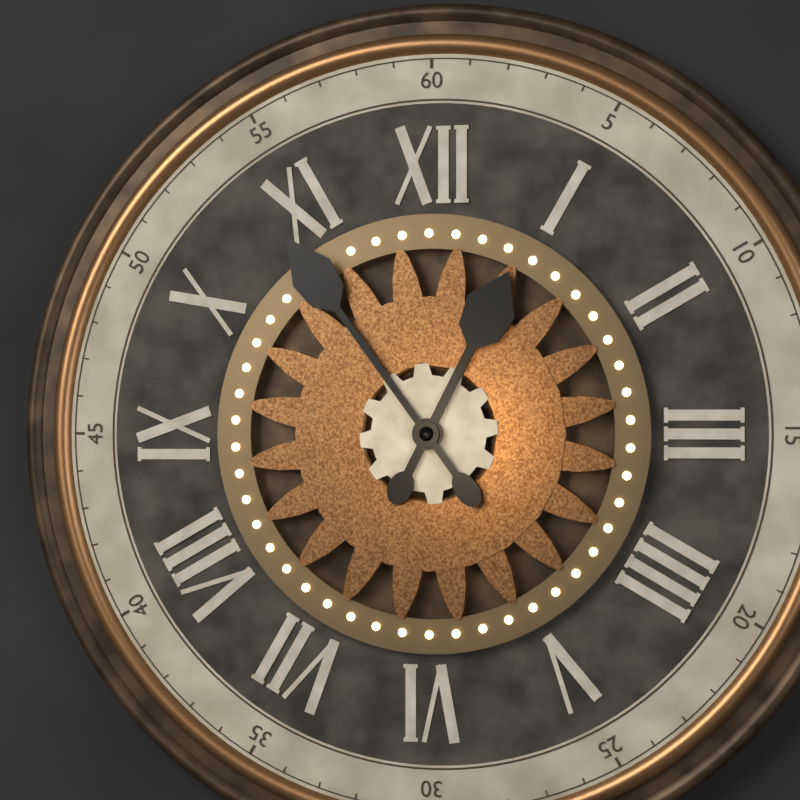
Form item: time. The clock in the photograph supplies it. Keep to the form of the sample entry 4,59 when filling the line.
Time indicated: 12,54
